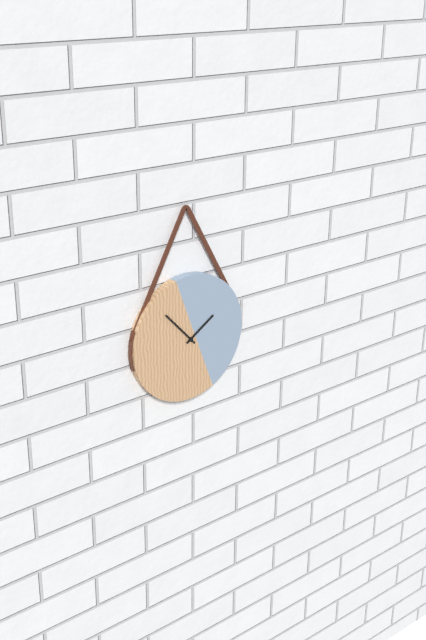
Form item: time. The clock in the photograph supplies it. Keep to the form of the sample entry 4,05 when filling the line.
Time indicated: 1,53
